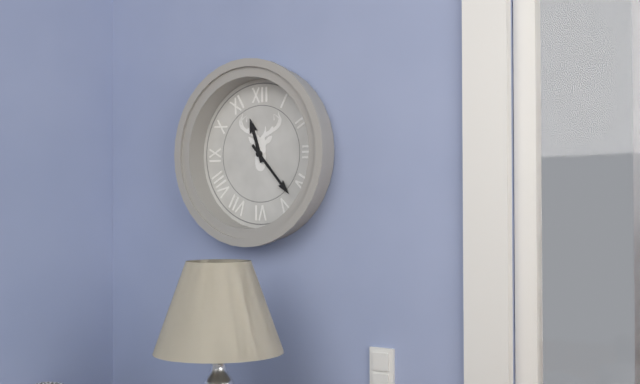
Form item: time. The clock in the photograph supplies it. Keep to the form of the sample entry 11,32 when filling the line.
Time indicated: 11,23
